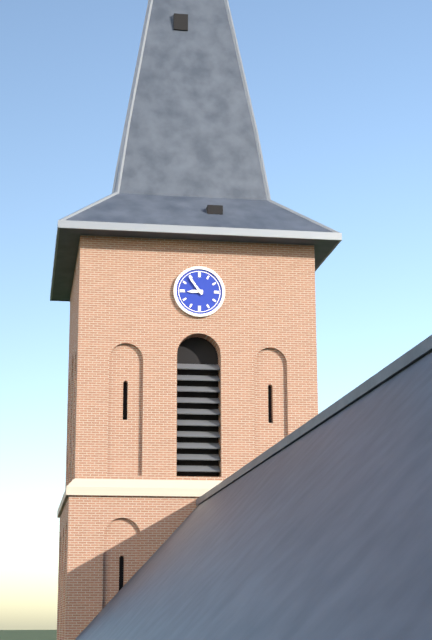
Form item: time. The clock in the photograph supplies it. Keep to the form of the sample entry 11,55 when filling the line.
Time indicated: 8,54
